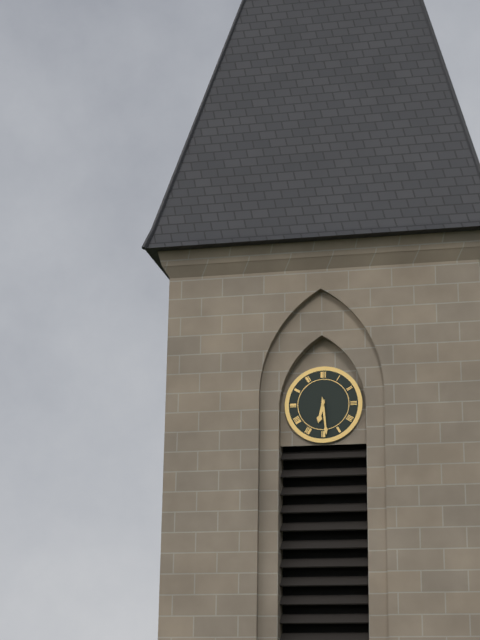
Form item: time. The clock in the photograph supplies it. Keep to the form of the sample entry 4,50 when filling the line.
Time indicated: 6,29
